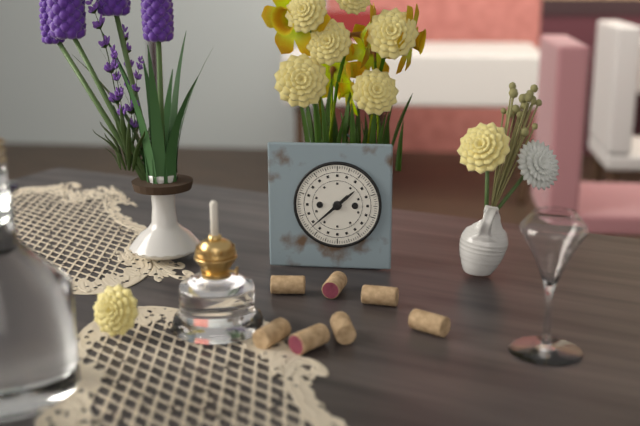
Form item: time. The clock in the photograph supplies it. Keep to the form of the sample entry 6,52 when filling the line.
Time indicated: 1,38
